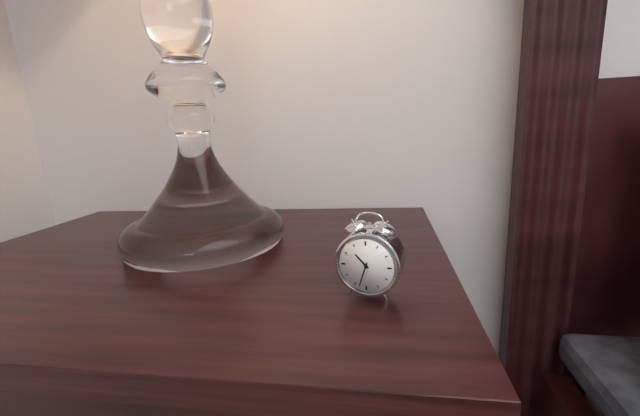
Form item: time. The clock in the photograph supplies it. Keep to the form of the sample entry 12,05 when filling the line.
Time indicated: 10,33
